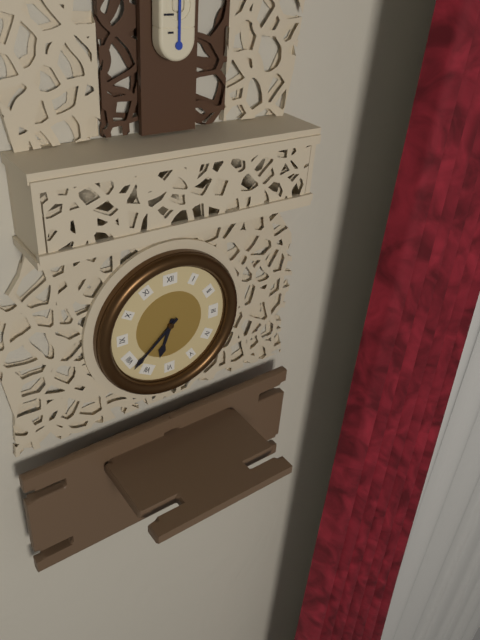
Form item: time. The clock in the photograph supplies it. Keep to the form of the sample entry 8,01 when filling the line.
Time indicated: 6,38
